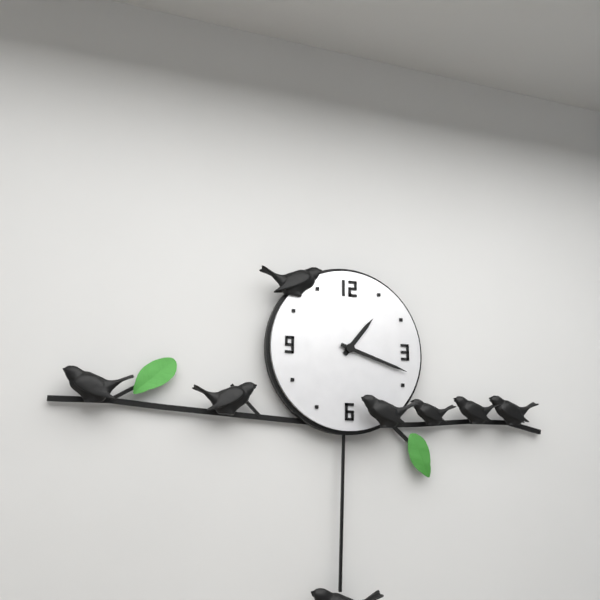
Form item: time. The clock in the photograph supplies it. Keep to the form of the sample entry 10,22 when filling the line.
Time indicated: 1,18
